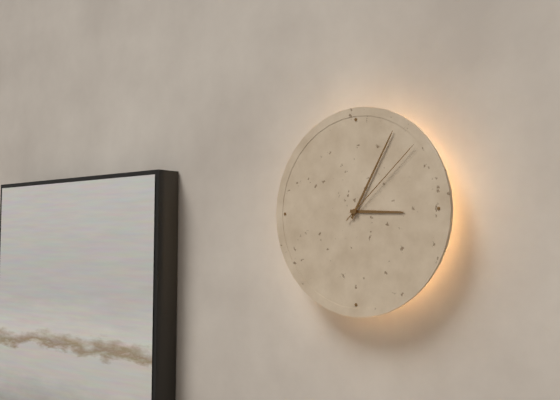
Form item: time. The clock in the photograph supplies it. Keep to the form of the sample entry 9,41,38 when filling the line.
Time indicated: 3,05,08
